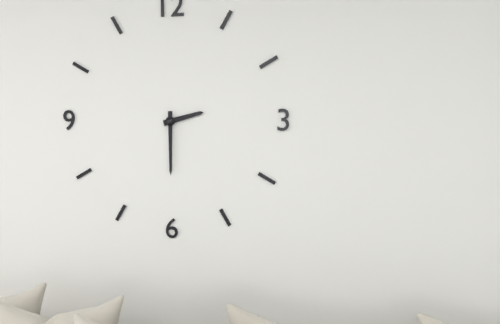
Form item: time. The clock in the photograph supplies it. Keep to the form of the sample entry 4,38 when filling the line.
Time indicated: 2,30
